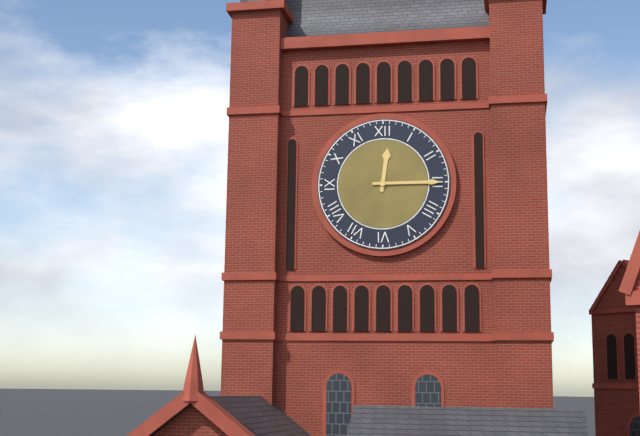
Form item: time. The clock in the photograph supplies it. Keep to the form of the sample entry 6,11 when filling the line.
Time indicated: 12,15
